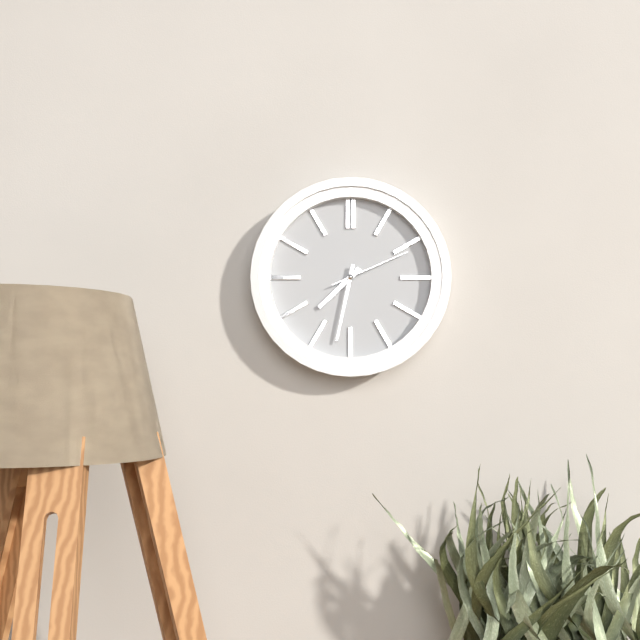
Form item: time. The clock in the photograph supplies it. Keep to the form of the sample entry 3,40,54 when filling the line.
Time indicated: 7,32,11
